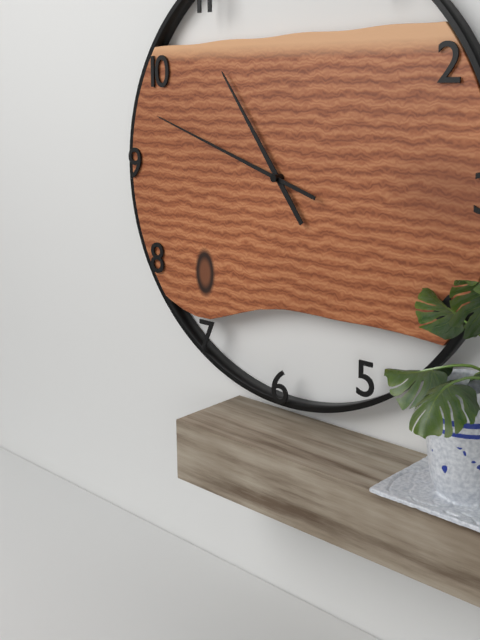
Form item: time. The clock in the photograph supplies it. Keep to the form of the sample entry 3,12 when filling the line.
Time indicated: 10,48
